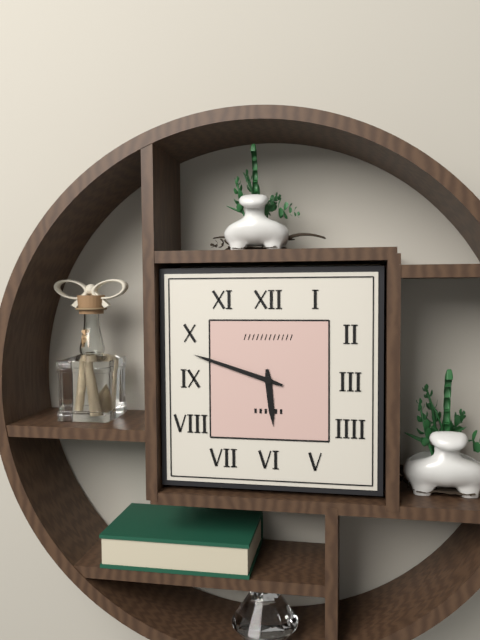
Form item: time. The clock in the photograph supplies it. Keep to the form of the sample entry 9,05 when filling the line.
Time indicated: 5,48
